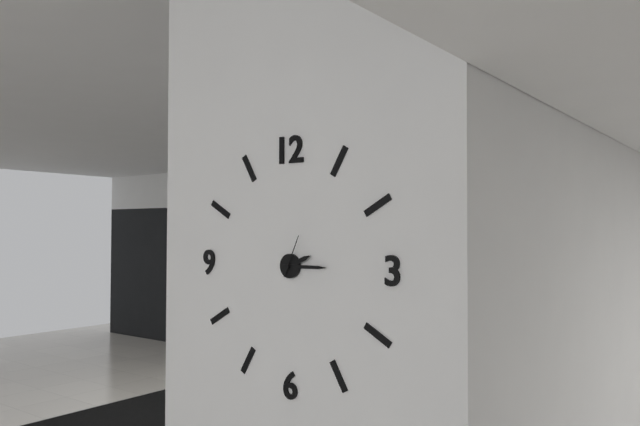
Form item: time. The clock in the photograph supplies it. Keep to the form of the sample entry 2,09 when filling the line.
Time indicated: 2,15
